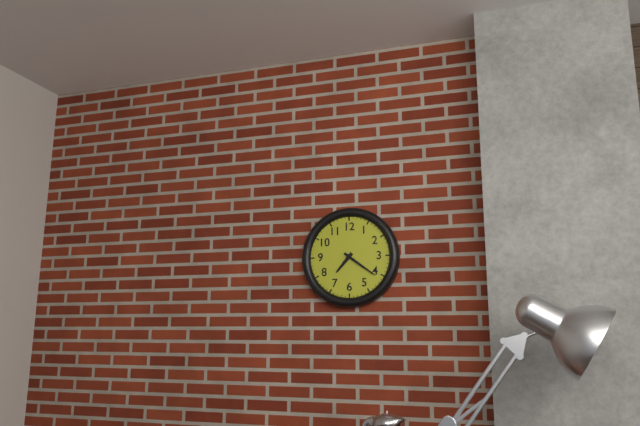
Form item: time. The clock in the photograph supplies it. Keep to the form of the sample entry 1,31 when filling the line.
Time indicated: 7,21
